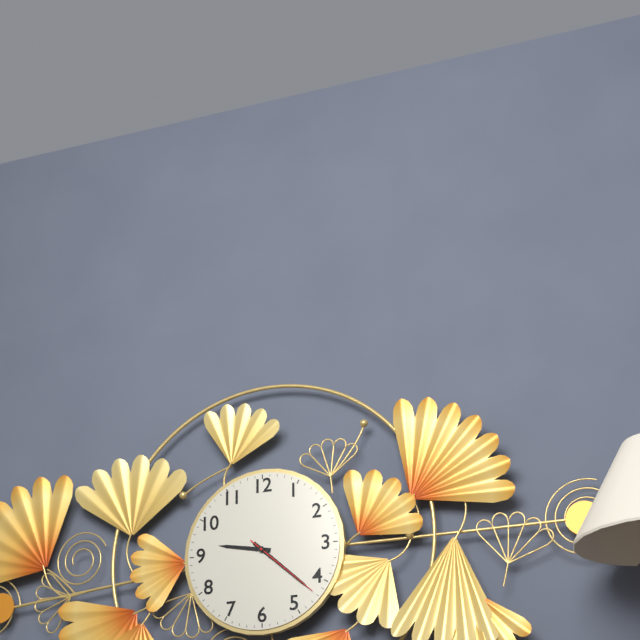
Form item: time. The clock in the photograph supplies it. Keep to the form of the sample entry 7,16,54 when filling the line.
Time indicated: 9,22,22
